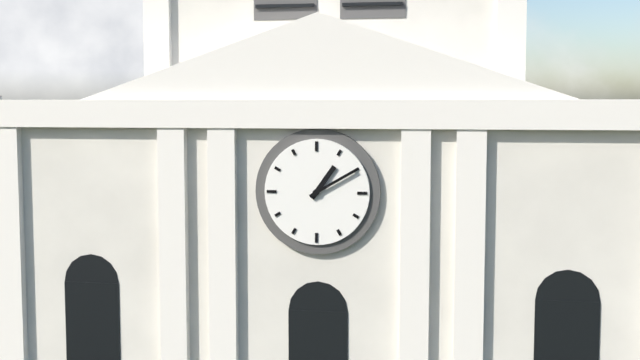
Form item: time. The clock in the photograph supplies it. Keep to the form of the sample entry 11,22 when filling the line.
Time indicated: 1,10
